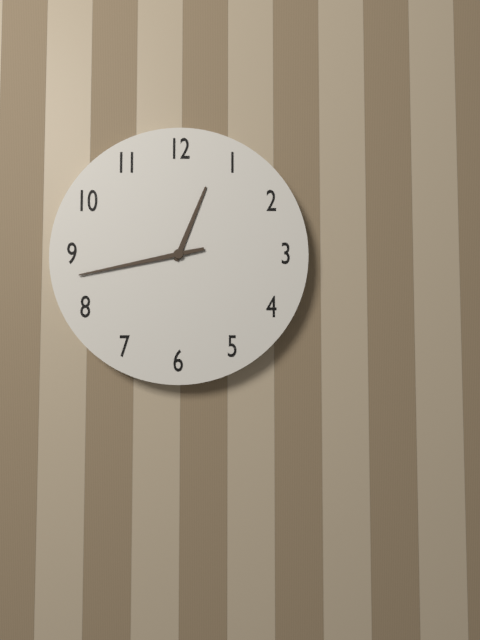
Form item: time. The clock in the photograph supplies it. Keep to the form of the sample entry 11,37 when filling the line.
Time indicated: 12,43
